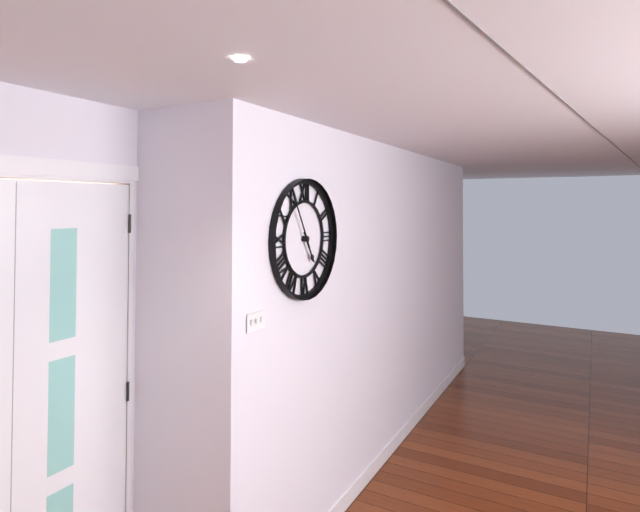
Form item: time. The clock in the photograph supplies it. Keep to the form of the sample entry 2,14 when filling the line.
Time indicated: 4,55
